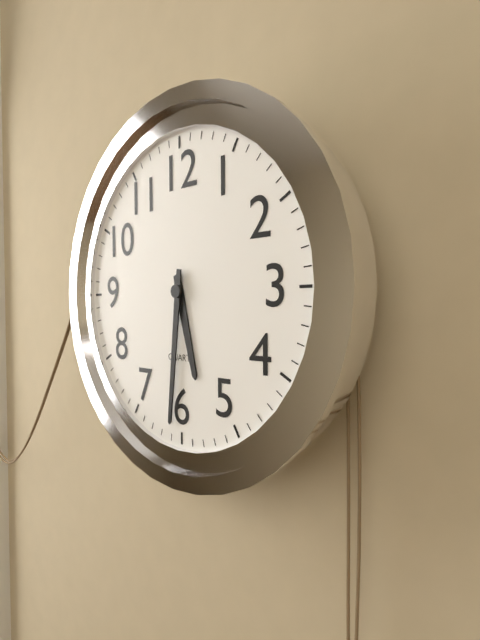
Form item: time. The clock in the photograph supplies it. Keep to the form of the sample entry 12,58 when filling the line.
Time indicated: 5,31
